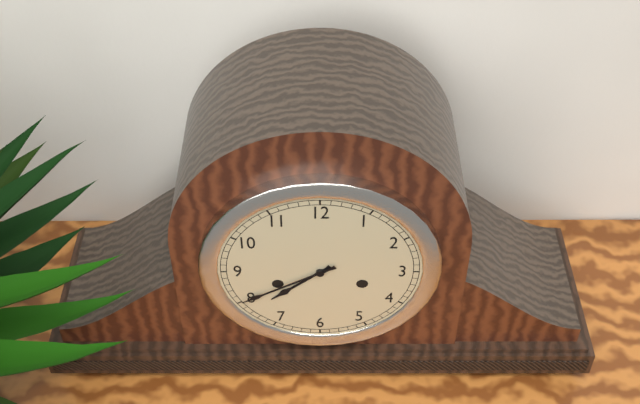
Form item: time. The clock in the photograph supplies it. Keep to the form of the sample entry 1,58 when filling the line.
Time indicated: 7,40
